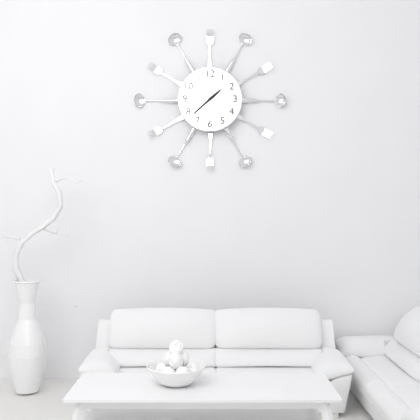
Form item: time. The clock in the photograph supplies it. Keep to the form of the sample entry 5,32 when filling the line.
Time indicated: 1,38
